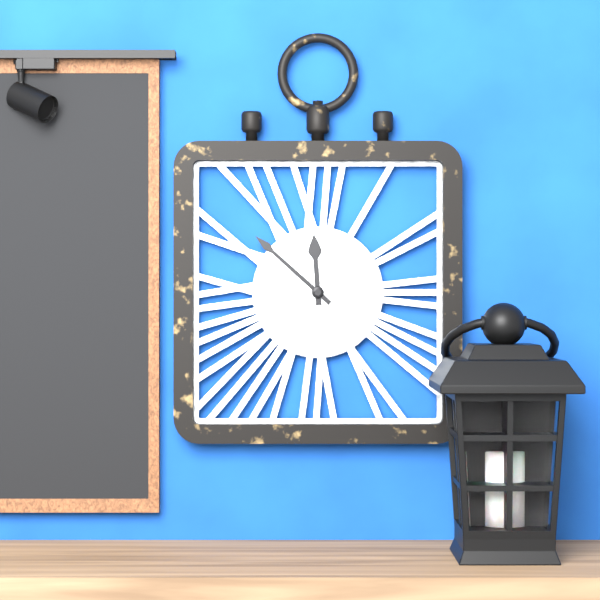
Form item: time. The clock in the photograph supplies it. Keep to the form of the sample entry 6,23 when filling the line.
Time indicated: 11,52
